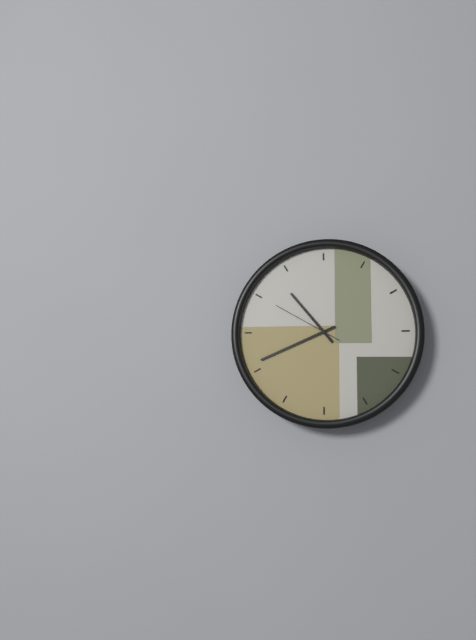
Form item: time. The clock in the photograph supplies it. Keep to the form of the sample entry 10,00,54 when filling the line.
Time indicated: 10,41,50
